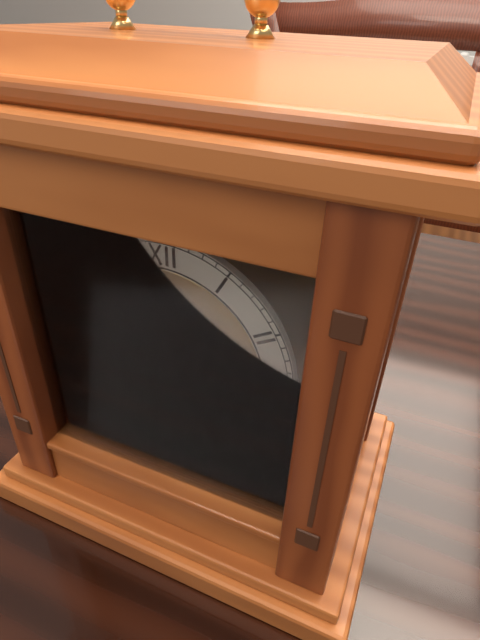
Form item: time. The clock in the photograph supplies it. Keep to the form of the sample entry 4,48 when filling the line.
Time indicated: 9,26
